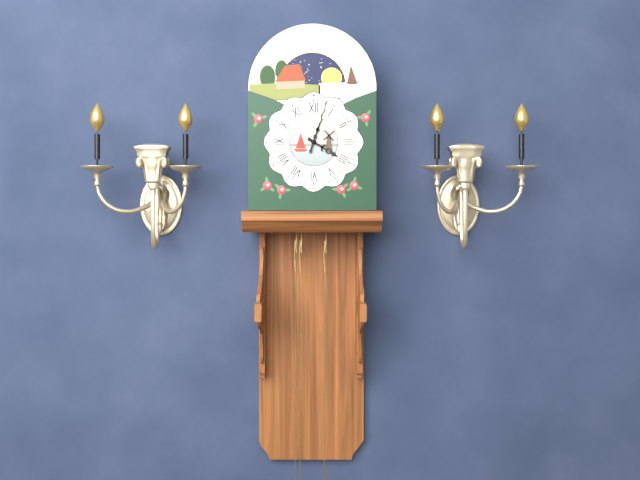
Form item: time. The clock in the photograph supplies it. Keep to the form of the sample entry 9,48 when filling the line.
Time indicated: 4,03
